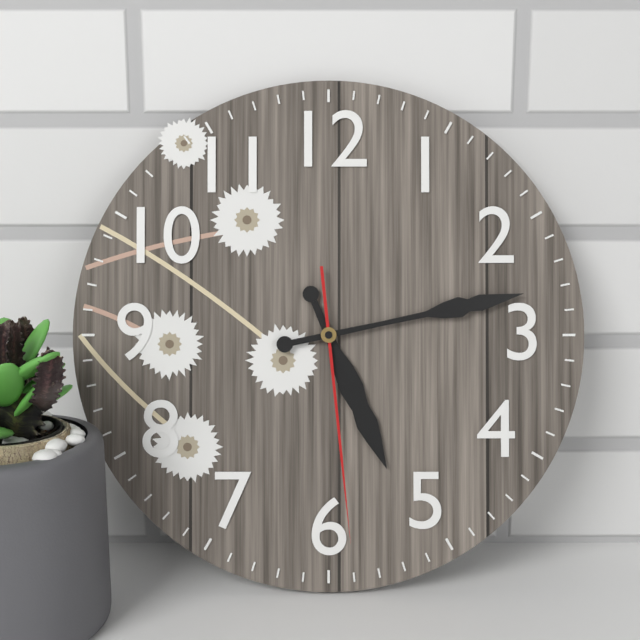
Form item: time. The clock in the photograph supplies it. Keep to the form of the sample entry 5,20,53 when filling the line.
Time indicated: 5,13,29
